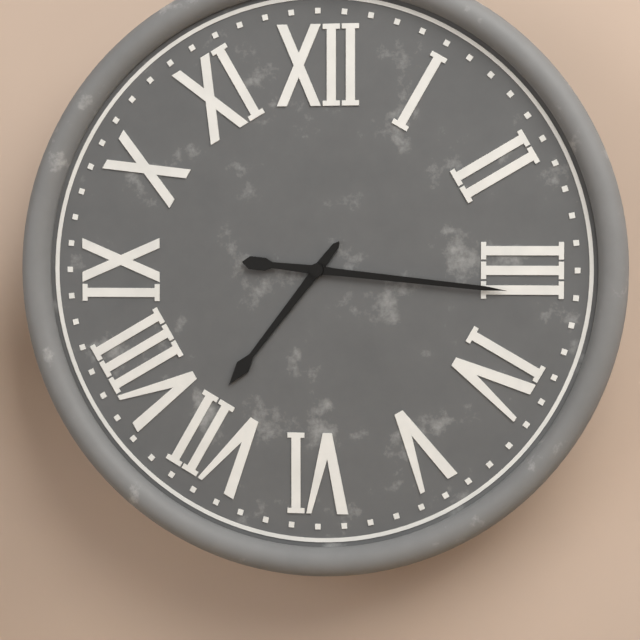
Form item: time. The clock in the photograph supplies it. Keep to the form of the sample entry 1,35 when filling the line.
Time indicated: 7,16
